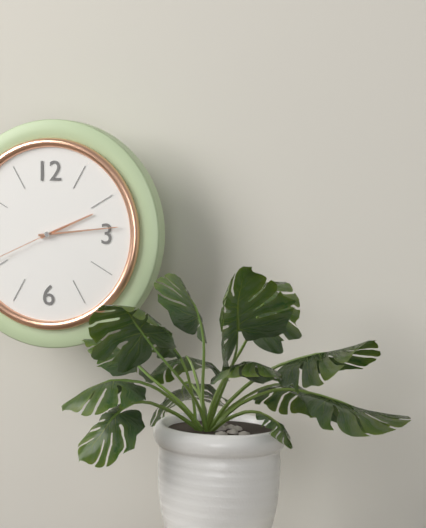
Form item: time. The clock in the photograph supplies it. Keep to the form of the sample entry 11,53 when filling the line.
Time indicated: 2,14
